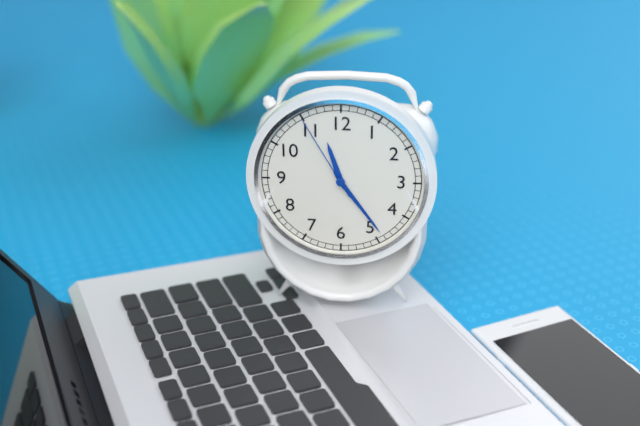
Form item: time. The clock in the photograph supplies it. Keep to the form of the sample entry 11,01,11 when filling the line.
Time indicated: 11,24,55
